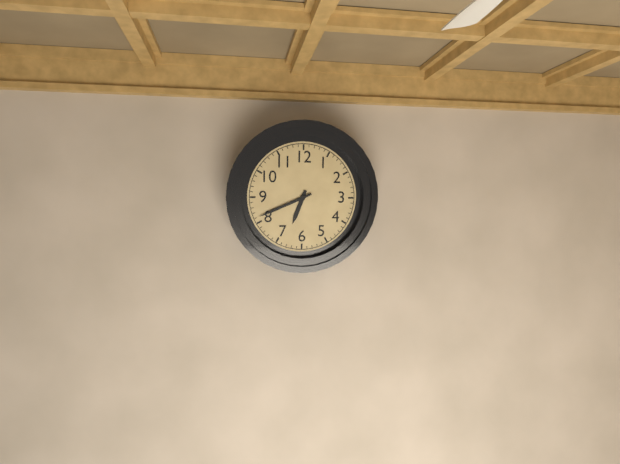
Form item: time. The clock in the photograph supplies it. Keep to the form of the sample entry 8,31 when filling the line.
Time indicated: 6,41
